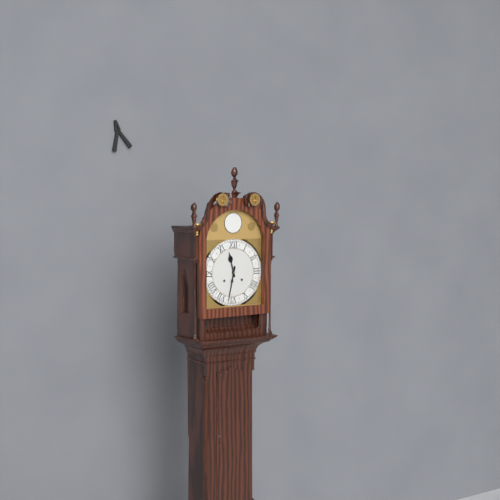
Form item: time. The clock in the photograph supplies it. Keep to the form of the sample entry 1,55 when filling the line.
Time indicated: 11,32
